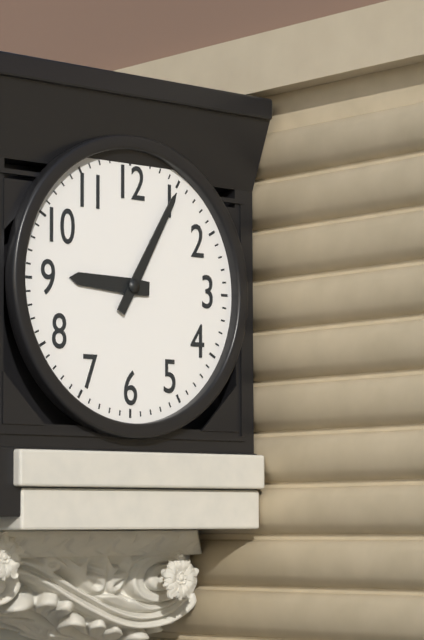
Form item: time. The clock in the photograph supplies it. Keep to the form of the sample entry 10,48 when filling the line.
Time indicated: 9,05
